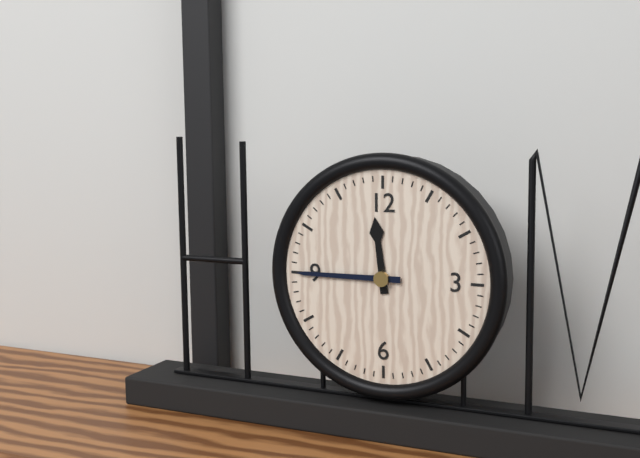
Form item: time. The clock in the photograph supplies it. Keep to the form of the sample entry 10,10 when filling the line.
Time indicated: 11,45
